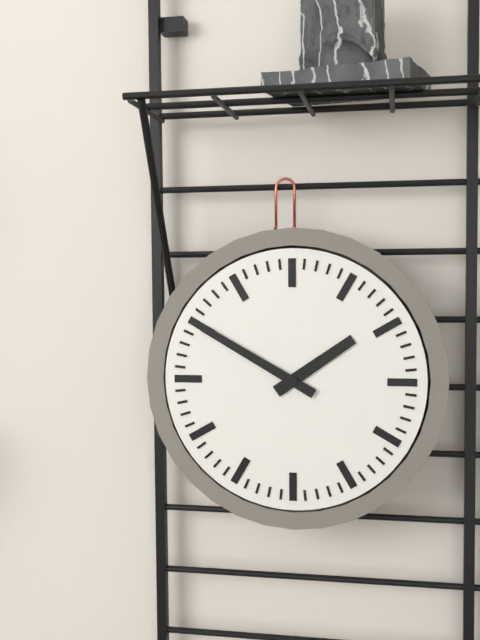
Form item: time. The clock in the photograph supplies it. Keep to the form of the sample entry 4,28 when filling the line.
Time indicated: 1,50
